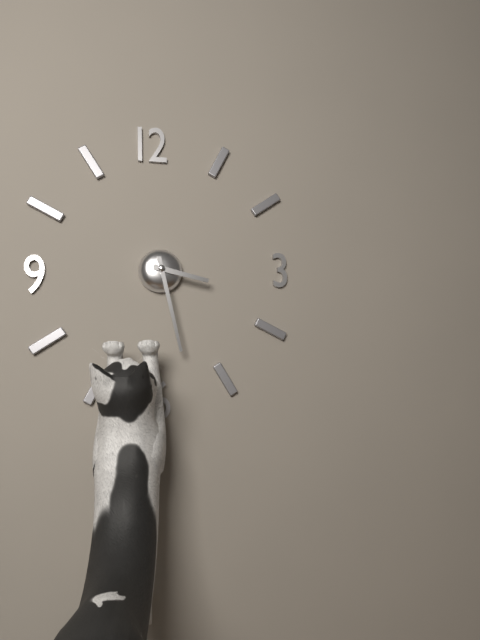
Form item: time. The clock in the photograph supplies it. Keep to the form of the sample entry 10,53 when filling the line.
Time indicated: 3,28
